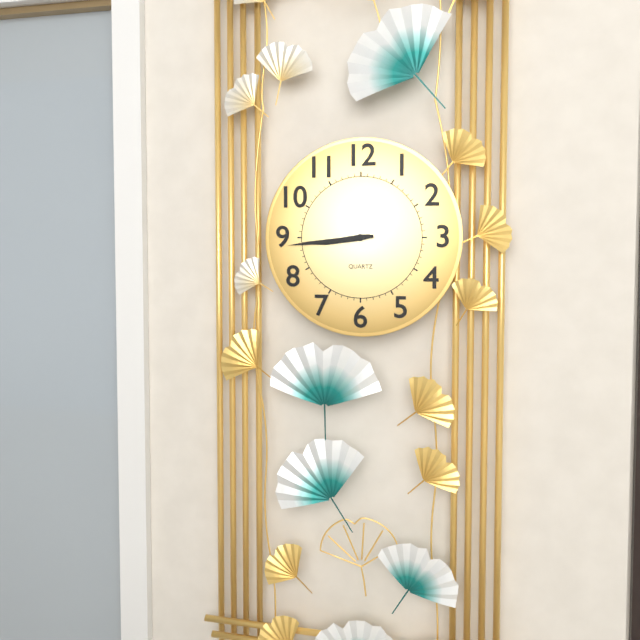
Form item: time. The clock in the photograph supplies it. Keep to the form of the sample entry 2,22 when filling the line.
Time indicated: 8,44
